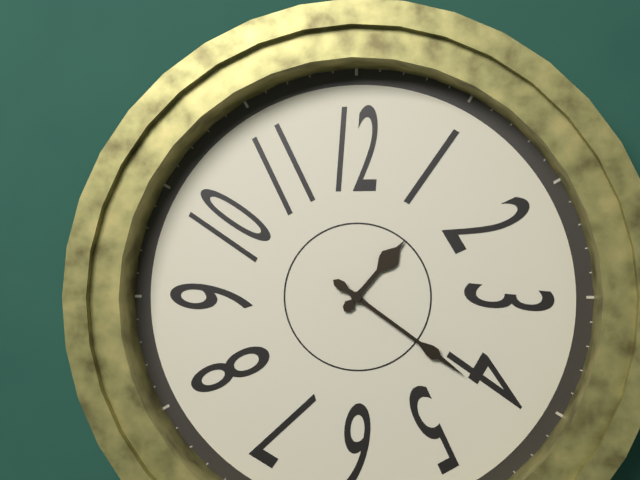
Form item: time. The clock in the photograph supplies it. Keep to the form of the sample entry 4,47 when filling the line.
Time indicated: 1,21
